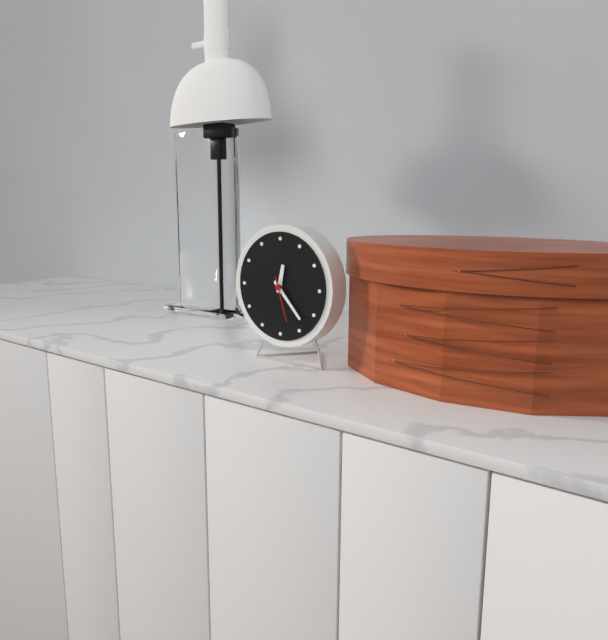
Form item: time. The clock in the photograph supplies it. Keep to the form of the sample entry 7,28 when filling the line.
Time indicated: 12,23
